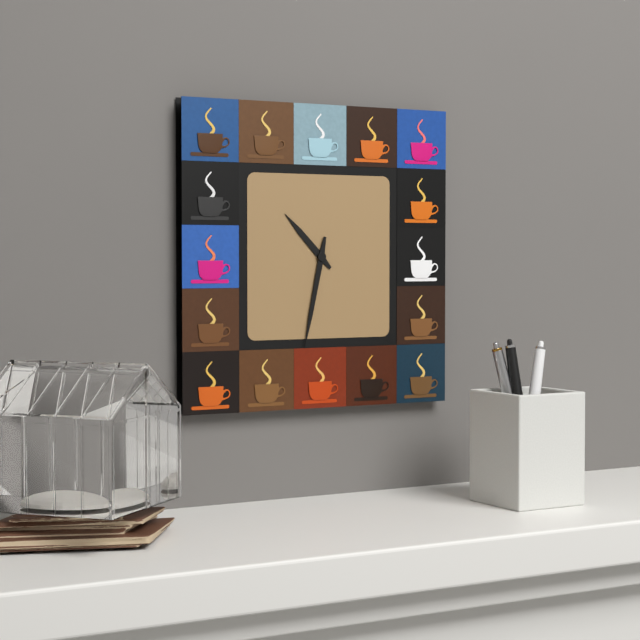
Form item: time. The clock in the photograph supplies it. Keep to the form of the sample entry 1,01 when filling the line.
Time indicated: 10,32
